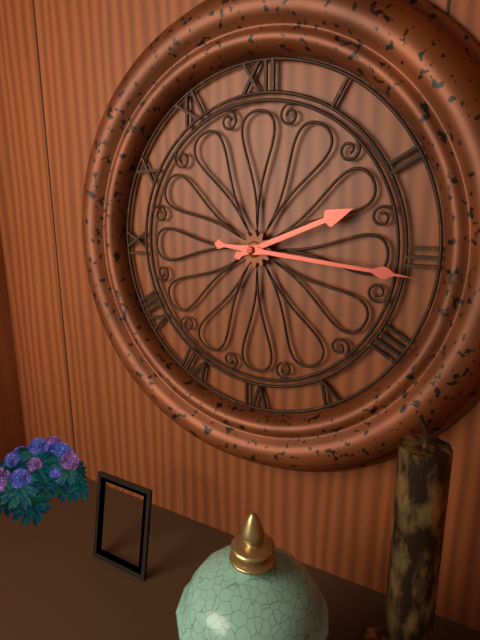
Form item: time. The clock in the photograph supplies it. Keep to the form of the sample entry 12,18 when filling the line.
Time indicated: 2,16
